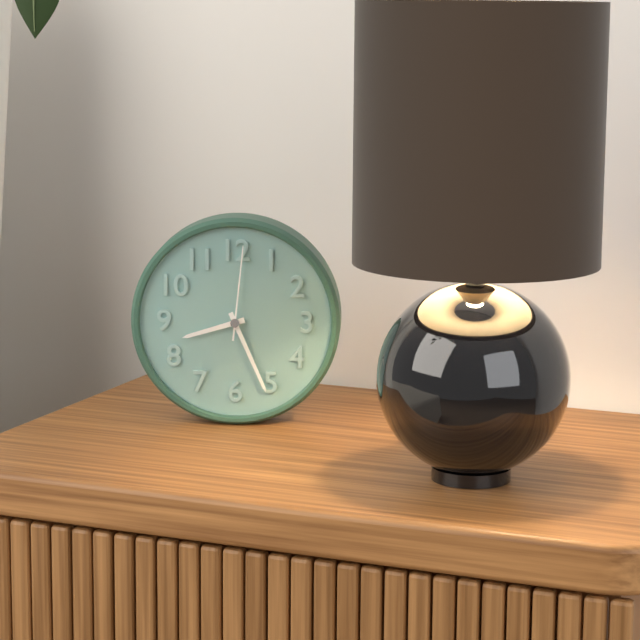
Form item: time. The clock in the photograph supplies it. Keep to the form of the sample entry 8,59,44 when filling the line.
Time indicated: 8,26,01
